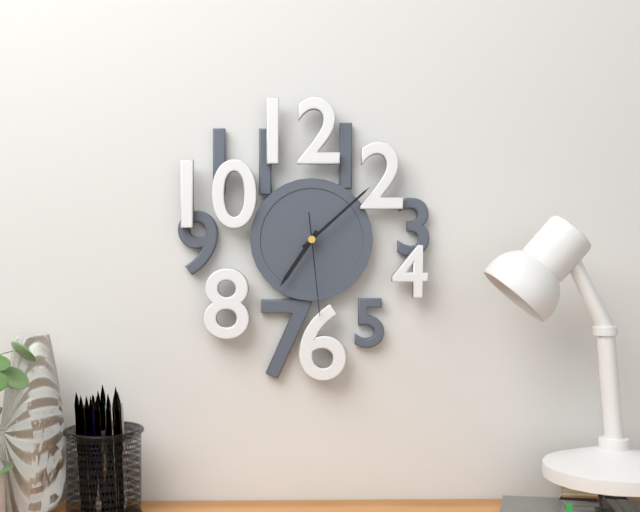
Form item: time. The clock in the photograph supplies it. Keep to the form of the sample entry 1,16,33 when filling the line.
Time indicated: 7,08,29
